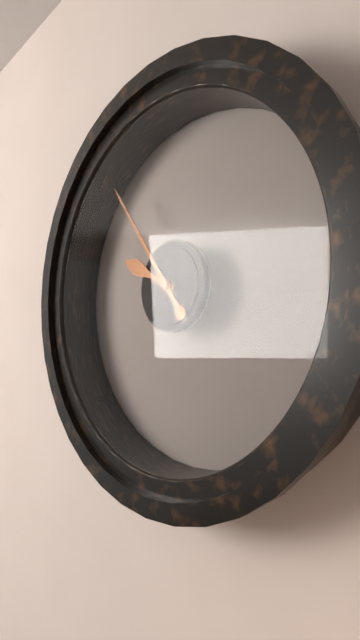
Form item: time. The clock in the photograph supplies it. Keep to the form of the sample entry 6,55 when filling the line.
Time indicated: 9,54
